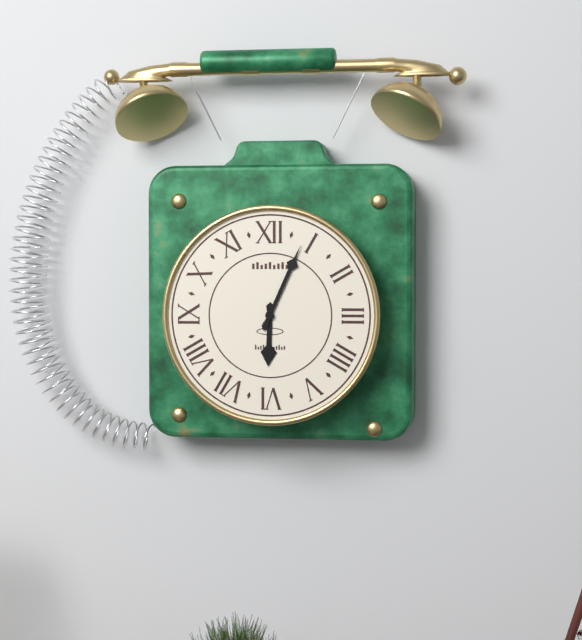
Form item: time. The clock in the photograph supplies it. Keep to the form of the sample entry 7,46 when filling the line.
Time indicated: 6,04
